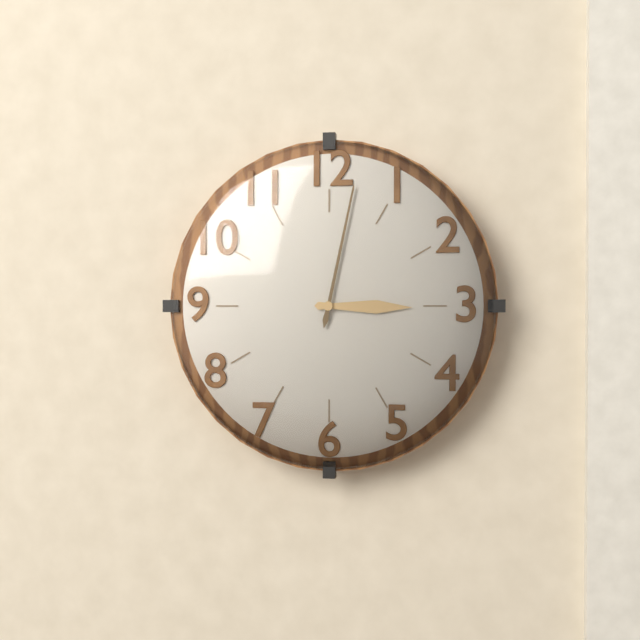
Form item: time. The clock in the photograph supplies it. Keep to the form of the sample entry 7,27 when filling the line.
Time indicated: 3,02
